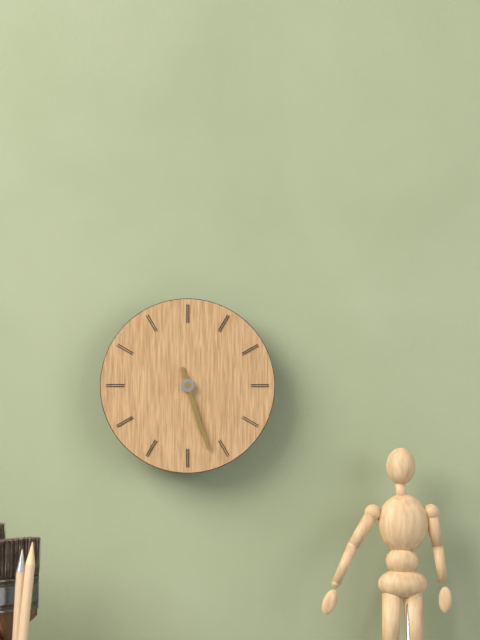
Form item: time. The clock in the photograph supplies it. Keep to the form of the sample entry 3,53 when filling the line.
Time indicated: 5,27
